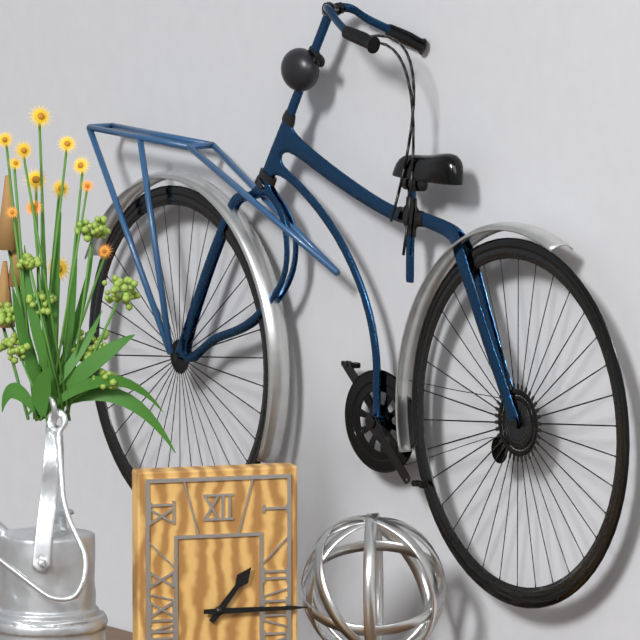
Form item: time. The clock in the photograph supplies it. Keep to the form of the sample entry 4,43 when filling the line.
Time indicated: 1,15
